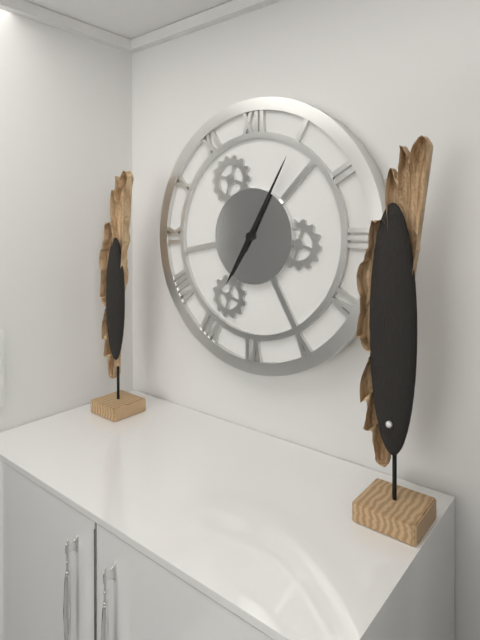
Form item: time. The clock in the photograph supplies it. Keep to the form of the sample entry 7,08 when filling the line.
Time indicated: 7,05
